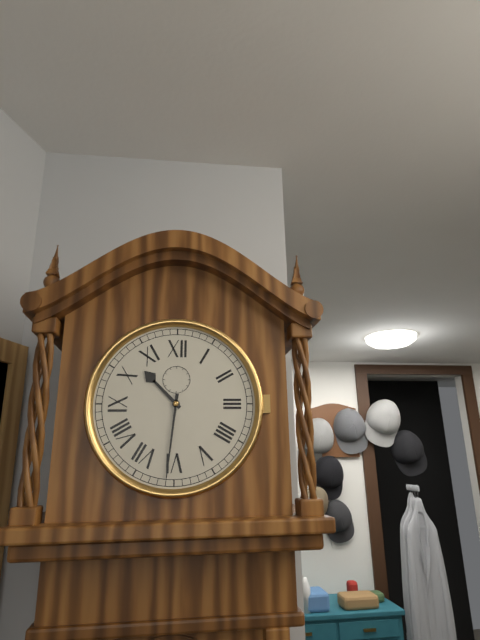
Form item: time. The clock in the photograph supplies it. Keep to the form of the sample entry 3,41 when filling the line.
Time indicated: 10,31
